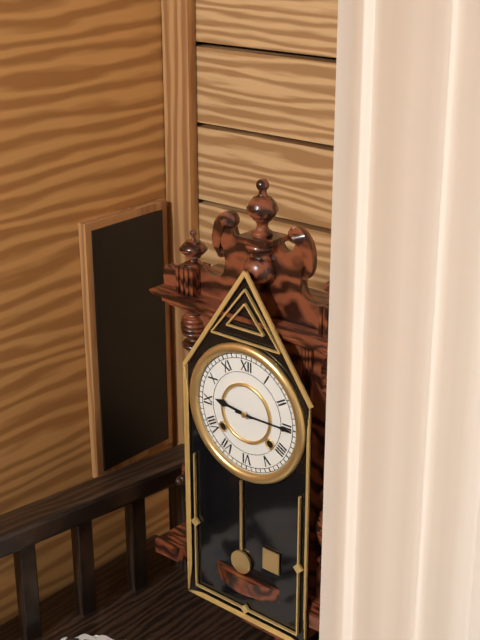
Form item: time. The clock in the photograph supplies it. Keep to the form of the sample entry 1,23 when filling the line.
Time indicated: 9,15
